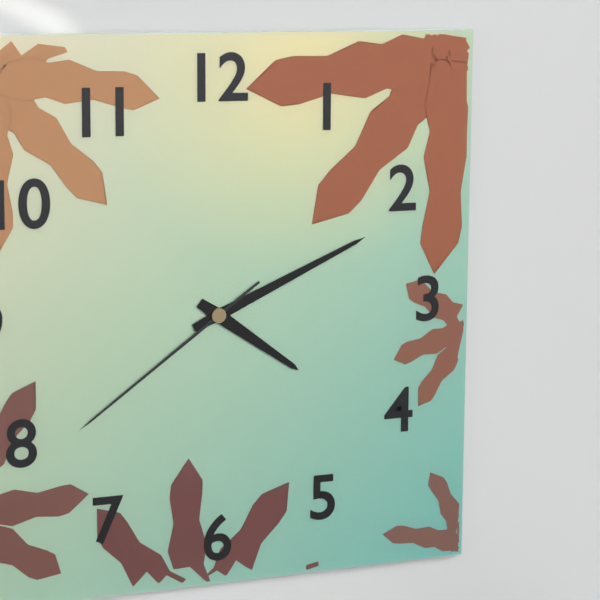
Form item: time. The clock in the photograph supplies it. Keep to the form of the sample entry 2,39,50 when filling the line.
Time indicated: 4,11,39
